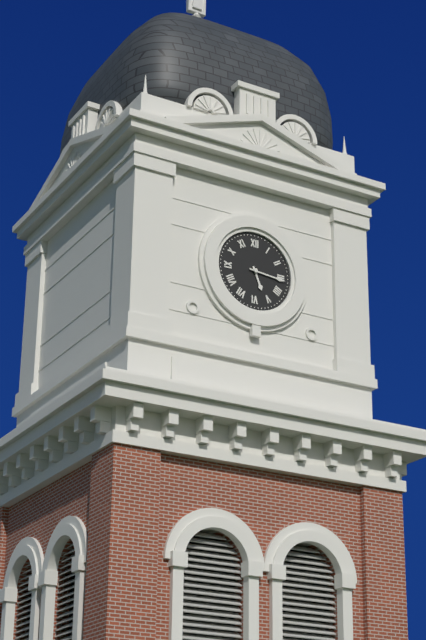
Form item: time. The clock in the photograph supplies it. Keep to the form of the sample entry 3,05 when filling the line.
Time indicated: 5,16
